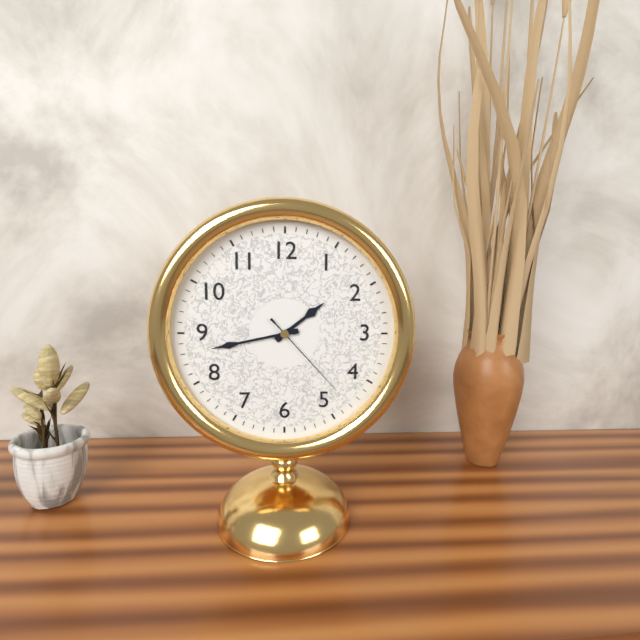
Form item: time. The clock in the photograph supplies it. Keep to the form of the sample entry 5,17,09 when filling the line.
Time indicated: 1,43,23
